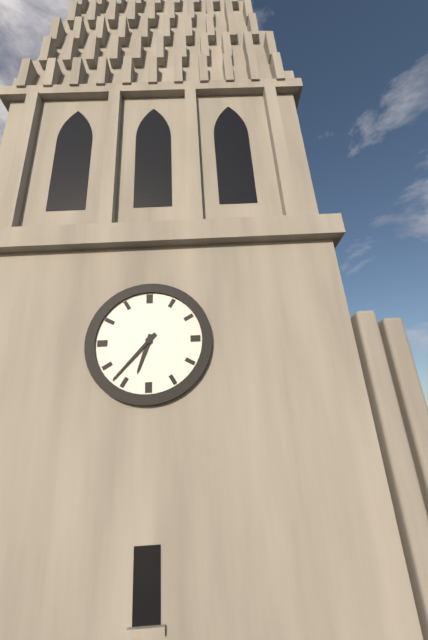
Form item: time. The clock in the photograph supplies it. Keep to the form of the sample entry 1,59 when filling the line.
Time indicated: 6,37
